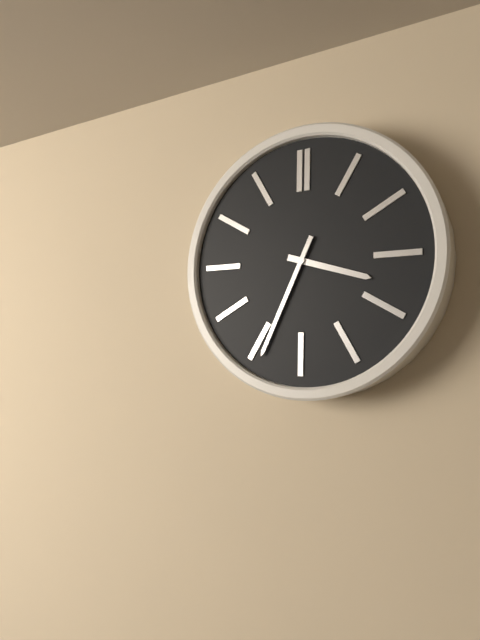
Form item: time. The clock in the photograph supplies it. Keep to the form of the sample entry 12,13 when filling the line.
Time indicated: 3,34
